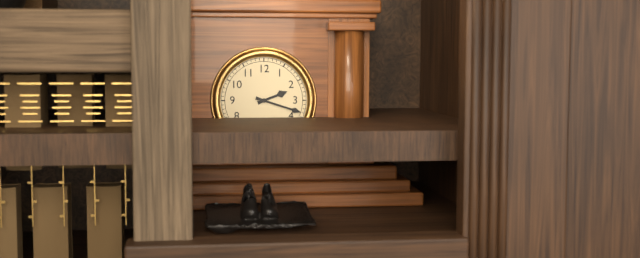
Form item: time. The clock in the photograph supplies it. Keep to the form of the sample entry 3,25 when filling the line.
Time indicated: 2,18
